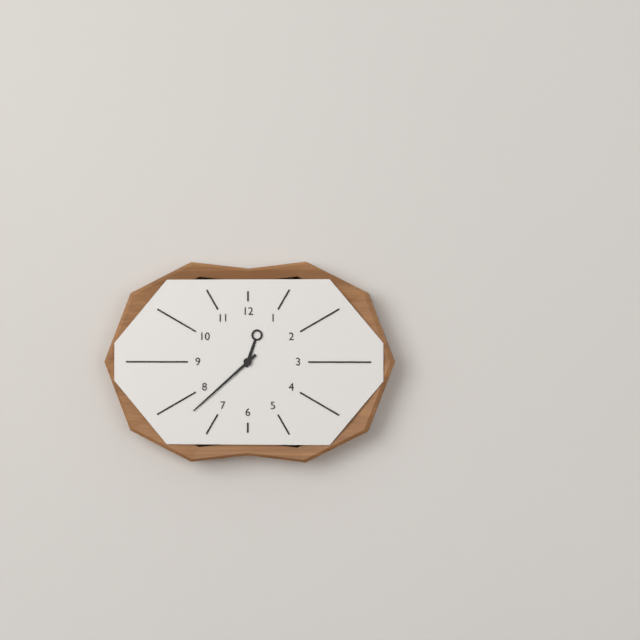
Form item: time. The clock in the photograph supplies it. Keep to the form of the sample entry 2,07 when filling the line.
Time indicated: 12,38
